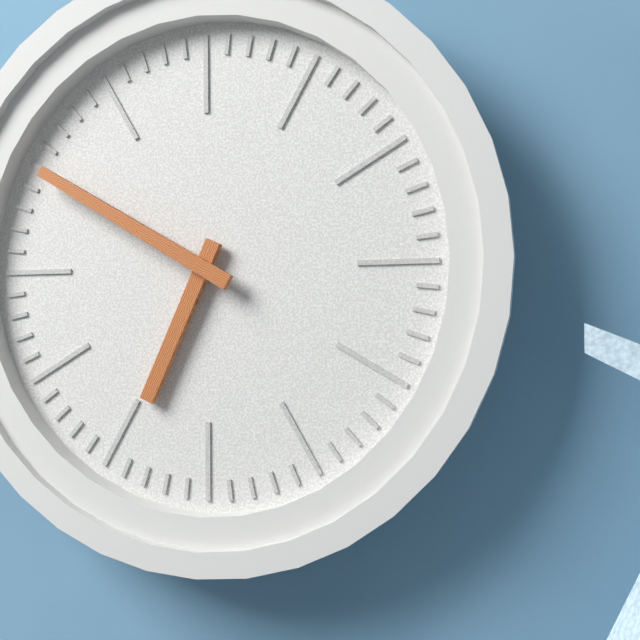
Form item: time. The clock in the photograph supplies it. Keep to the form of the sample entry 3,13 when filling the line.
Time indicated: 6,50
